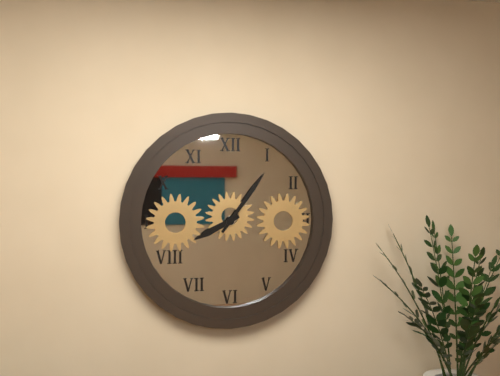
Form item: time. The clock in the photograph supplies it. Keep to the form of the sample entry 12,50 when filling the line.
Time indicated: 8,06
